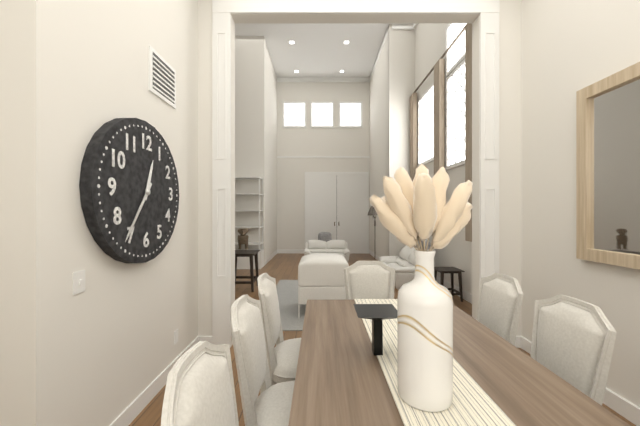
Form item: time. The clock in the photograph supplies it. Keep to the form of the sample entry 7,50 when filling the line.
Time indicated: 12,36
